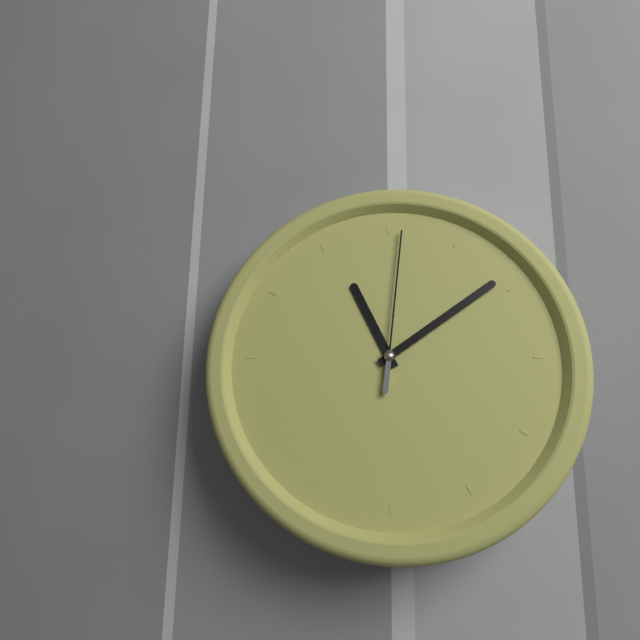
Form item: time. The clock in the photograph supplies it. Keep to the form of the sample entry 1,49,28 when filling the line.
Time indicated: 11,09,01
